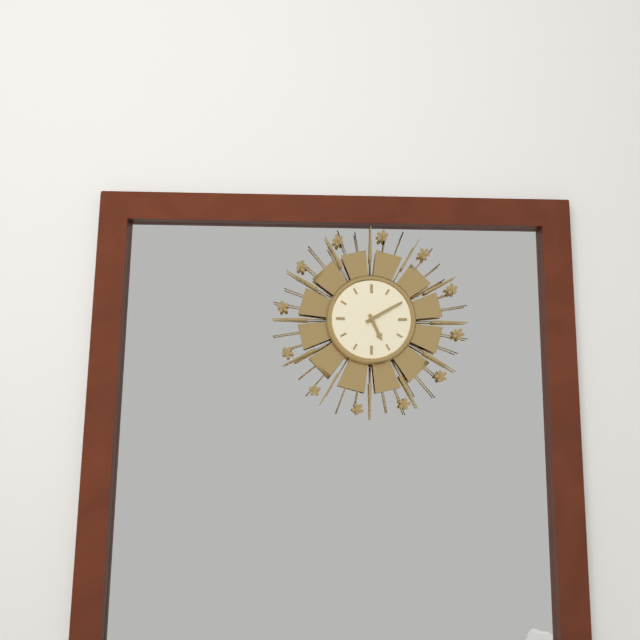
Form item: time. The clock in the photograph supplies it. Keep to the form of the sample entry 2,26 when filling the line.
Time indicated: 5,10
